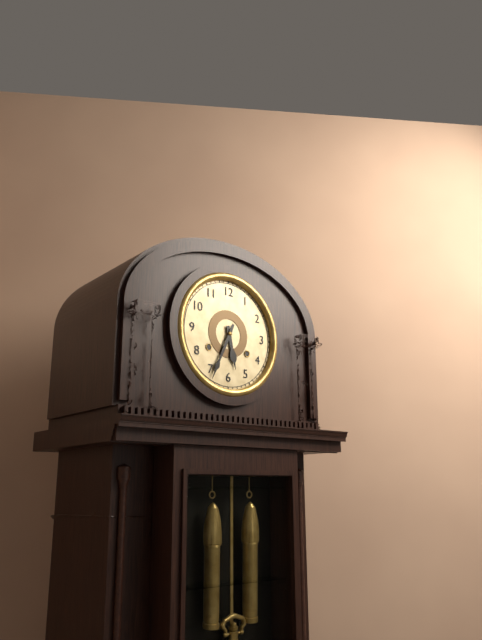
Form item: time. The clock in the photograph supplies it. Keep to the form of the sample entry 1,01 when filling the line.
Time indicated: 5,34
